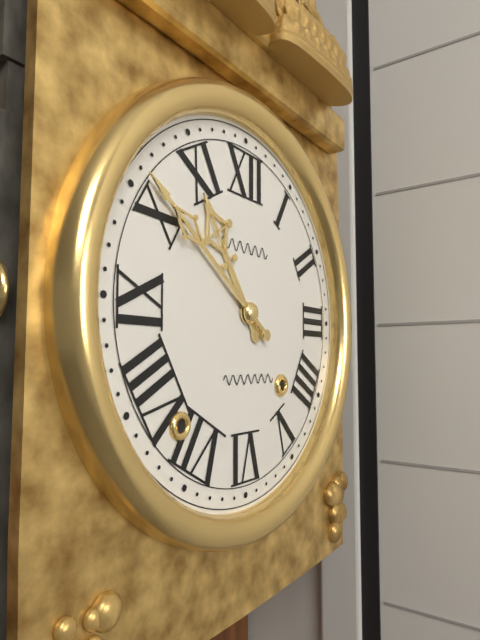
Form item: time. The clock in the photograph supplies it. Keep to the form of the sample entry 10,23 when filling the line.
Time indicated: 10,51
